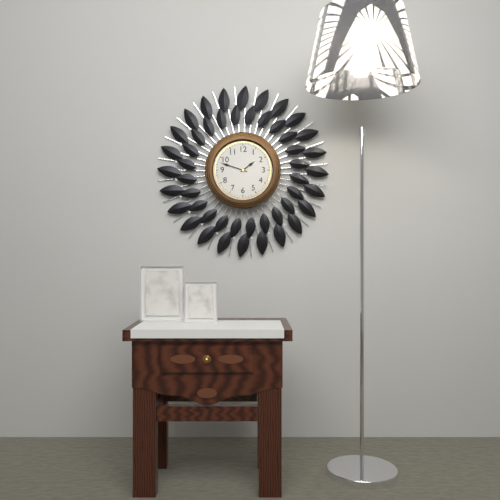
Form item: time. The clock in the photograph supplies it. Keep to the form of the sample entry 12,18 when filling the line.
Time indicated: 1,48
